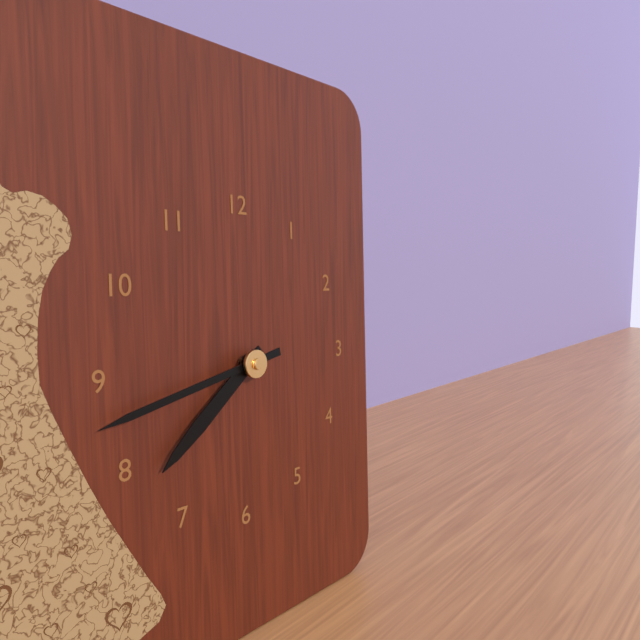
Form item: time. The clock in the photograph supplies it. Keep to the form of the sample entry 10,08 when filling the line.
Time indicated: 7,43
